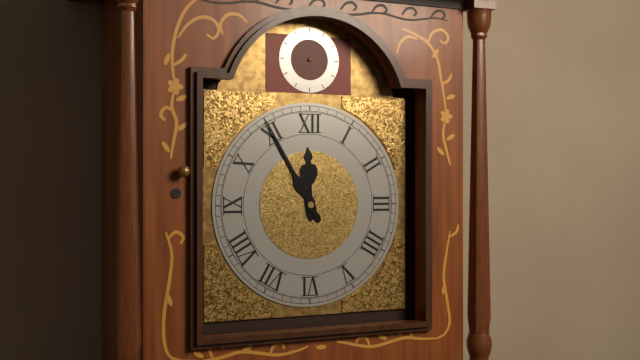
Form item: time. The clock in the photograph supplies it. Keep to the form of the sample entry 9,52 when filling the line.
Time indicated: 11,55
